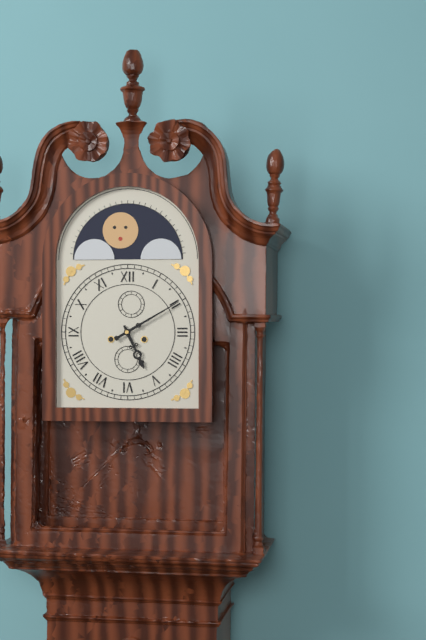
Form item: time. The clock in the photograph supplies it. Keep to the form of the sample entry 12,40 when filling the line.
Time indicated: 5,10
